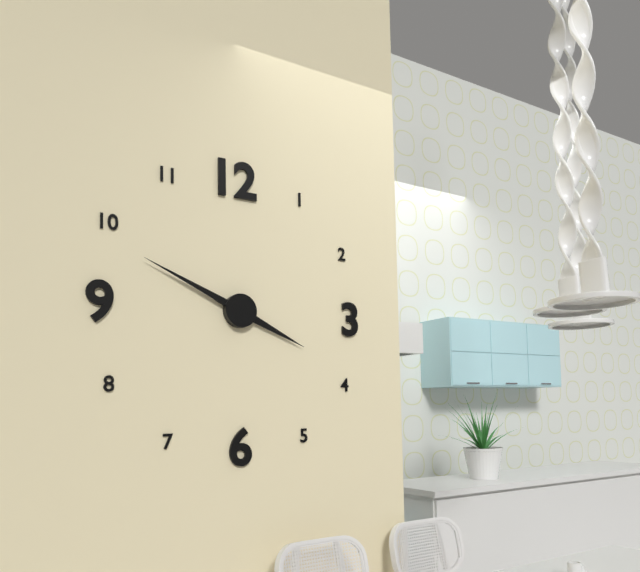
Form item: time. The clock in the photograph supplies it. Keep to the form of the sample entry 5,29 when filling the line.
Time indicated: 3,49
